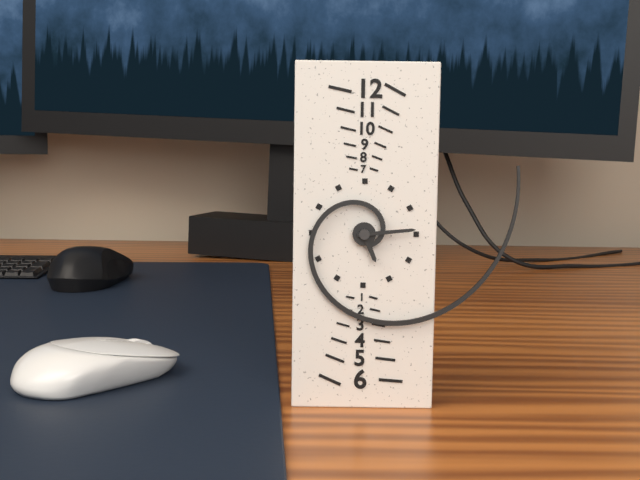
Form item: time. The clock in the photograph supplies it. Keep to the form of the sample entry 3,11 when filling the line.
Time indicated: 5,14
